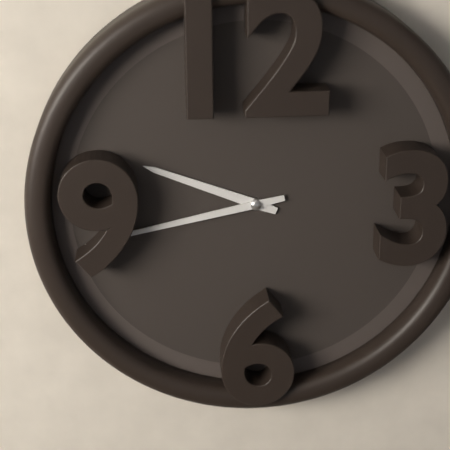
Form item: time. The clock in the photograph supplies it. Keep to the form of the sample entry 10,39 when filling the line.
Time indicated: 9,43
